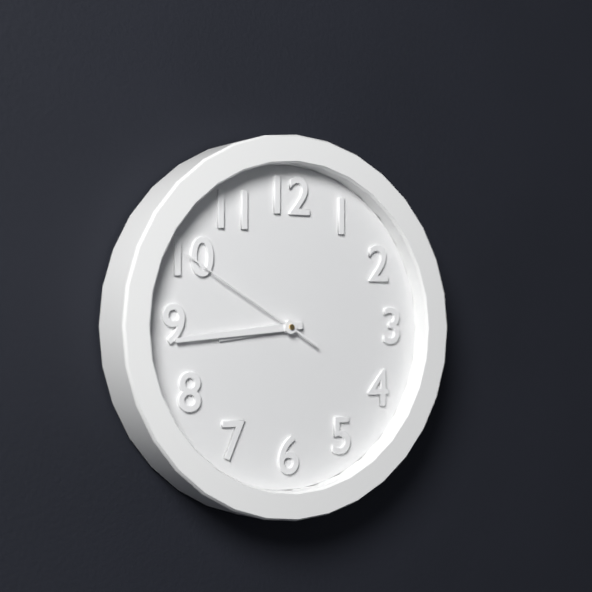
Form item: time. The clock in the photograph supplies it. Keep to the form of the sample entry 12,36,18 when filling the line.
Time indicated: 8,44,50
